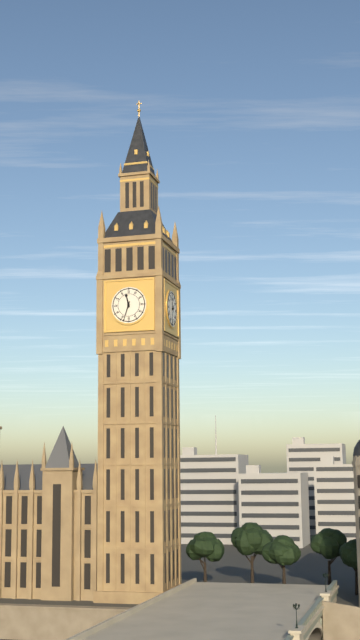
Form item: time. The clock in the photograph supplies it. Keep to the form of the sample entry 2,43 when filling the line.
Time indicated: 11,33
